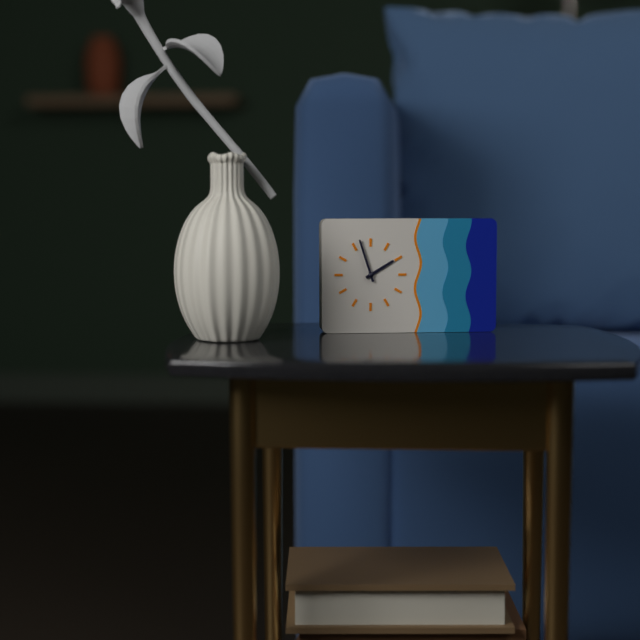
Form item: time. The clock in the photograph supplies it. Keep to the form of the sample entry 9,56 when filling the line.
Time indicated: 1,57
